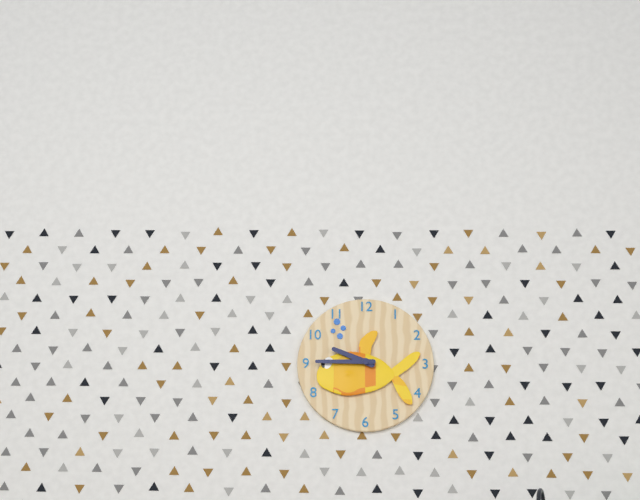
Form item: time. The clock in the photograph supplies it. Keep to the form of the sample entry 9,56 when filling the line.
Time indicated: 9,45
